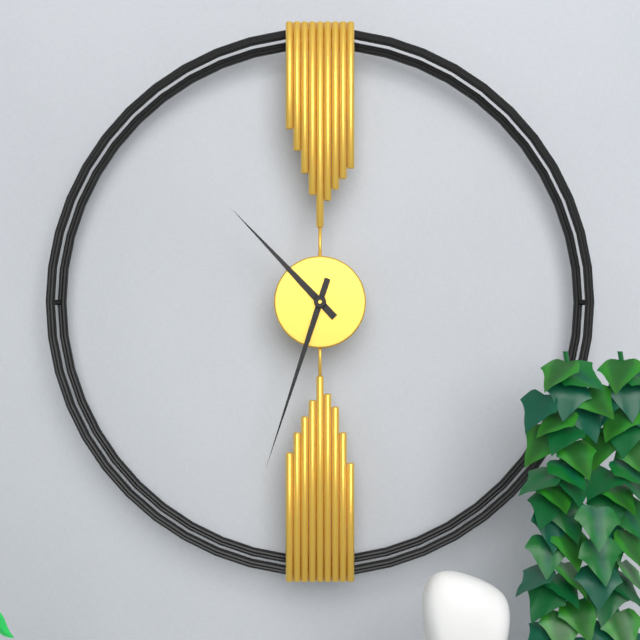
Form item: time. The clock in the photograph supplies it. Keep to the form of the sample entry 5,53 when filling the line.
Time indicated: 10,33
